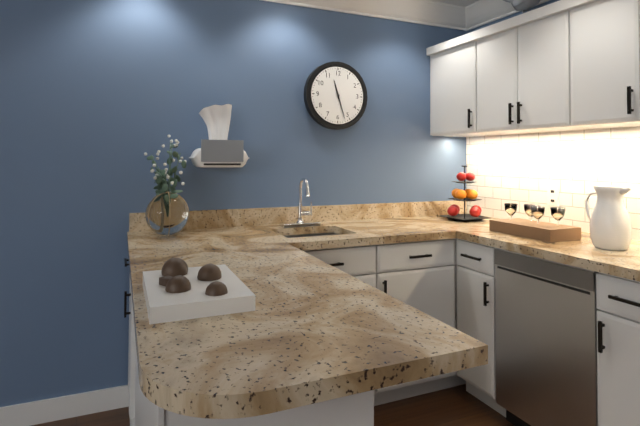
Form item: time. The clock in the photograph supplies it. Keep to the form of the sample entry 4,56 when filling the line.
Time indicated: 11,27
